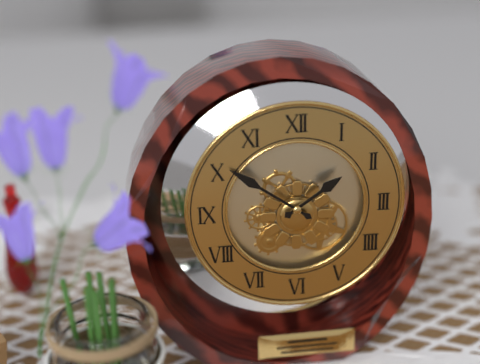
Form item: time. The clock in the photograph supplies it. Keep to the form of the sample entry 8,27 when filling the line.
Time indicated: 1,51
